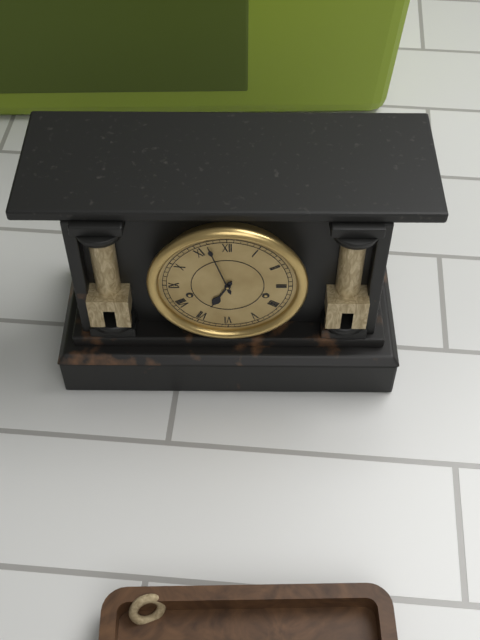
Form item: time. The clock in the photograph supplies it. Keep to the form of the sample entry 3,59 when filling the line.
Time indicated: 6,57
